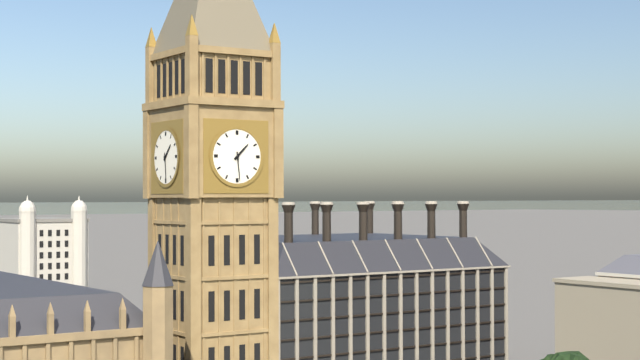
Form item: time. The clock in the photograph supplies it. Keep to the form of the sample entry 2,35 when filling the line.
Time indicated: 1,29
